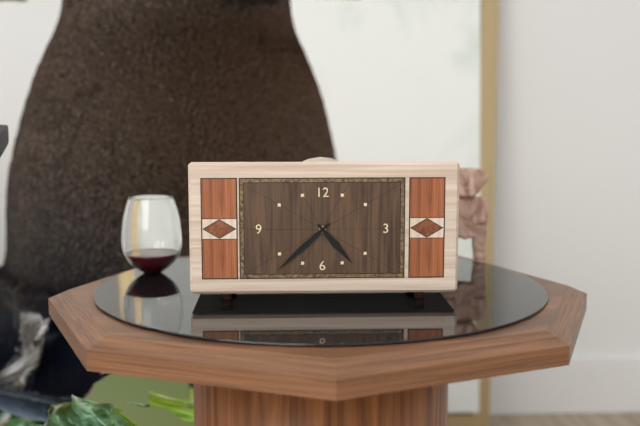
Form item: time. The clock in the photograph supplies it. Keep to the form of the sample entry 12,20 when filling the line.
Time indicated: 4,38
